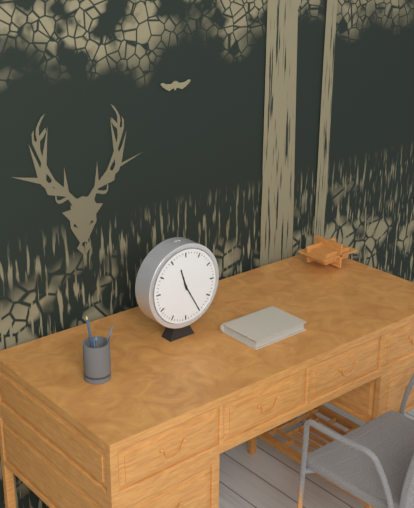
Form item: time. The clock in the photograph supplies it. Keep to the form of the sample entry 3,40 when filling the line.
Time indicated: 11,25
